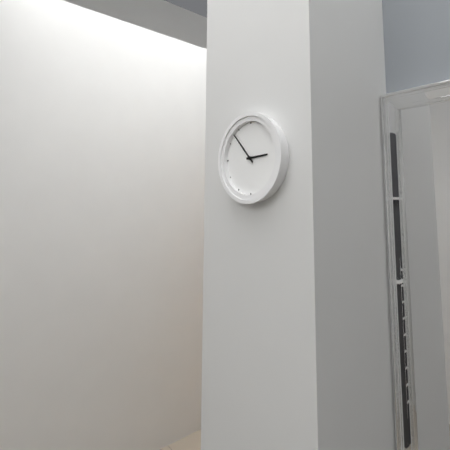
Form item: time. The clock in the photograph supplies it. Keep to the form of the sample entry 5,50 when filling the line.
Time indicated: 2,53
